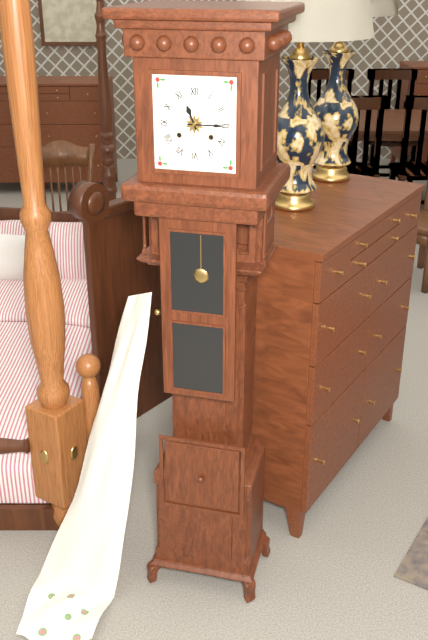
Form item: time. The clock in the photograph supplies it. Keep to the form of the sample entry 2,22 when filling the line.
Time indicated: 11,15
